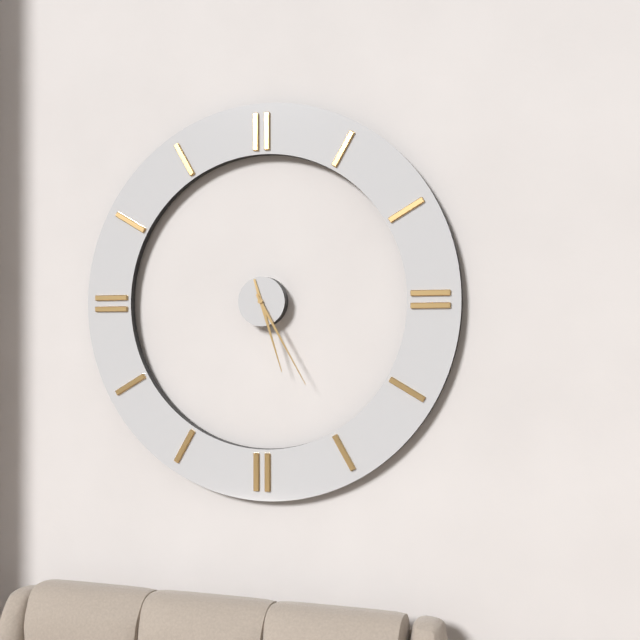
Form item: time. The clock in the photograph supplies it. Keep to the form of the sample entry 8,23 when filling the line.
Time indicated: 5,25
